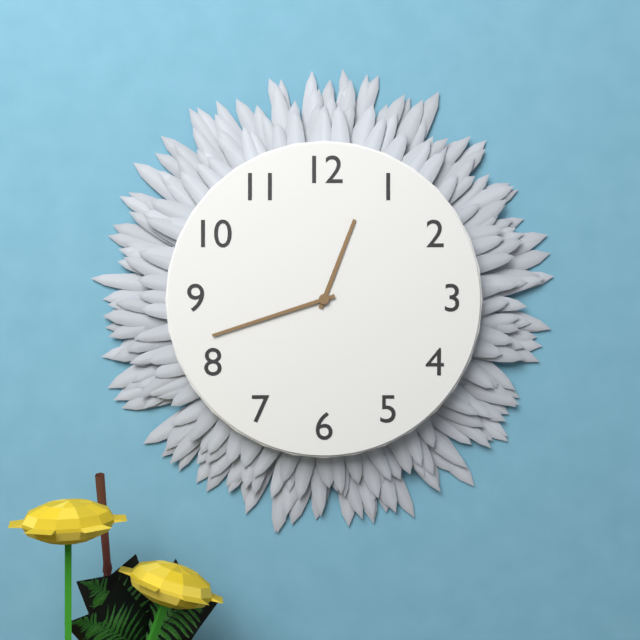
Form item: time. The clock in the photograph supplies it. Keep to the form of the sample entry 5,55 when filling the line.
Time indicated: 12,42
